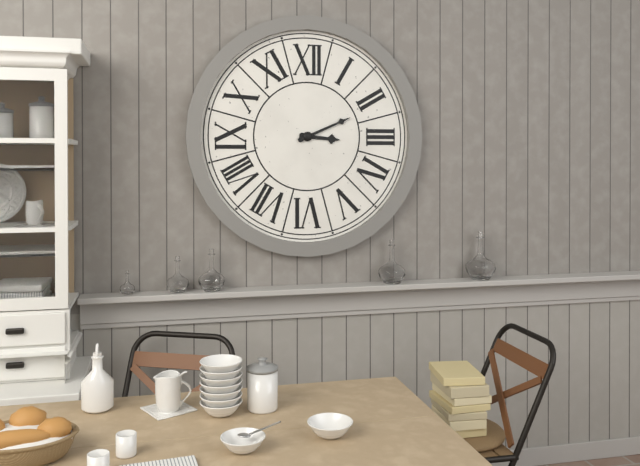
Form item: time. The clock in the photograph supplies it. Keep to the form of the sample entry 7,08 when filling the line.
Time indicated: 3,11
